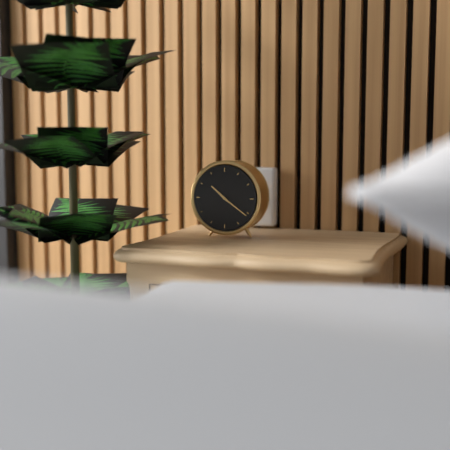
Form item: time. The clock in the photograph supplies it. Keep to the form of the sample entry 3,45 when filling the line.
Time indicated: 10,21
